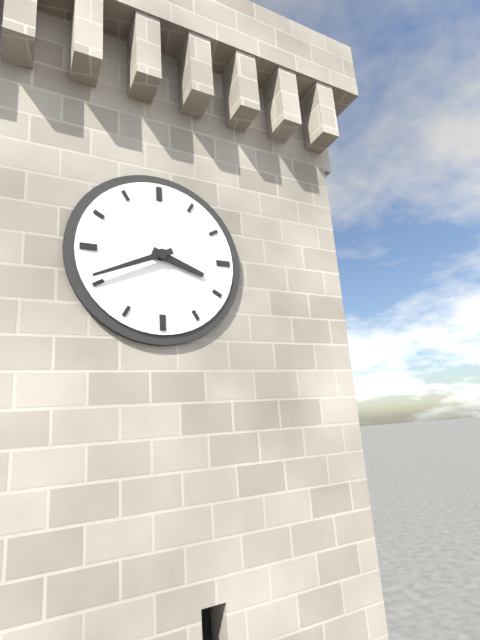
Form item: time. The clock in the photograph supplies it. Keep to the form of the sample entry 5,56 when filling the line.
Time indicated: 3,41
